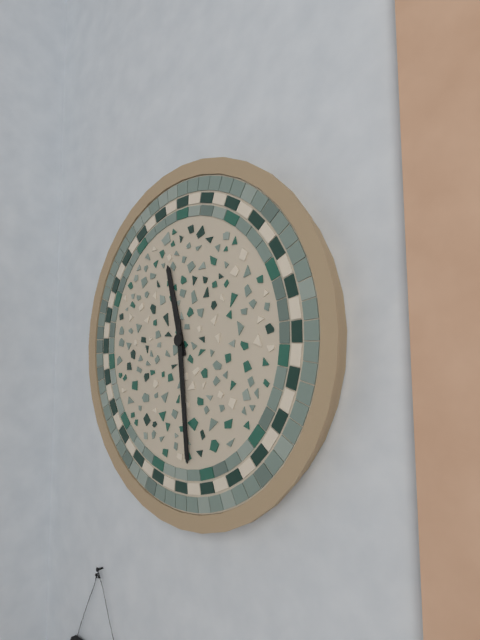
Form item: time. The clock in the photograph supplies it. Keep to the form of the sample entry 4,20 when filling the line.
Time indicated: 11,29
